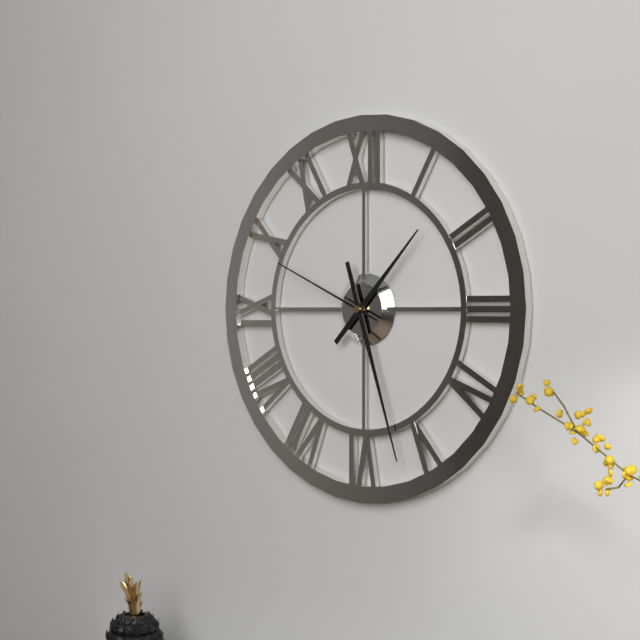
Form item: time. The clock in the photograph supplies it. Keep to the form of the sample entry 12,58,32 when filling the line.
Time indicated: 1,27,49
